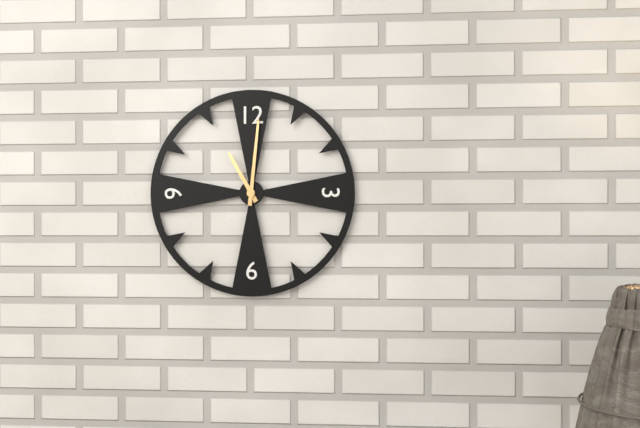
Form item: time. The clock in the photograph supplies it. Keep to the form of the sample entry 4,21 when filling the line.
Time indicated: 11,01
